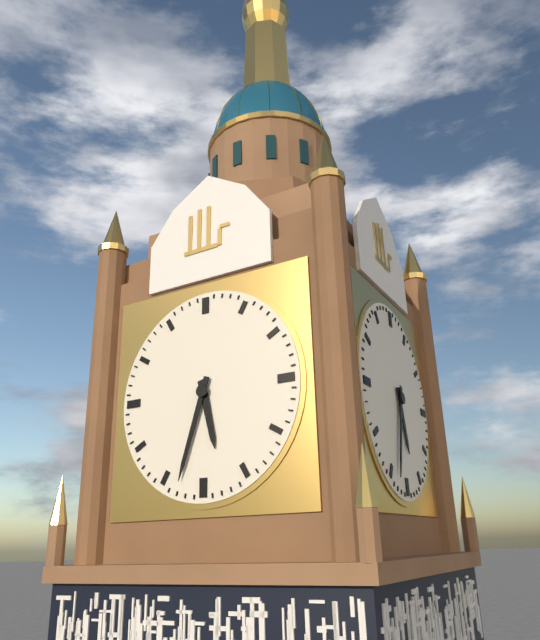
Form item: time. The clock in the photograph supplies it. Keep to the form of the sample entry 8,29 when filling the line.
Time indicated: 5,33
